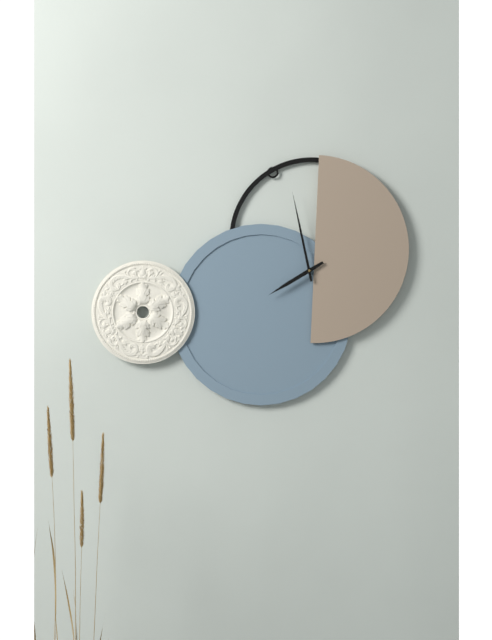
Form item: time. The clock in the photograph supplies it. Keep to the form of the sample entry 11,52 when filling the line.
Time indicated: 7,58
